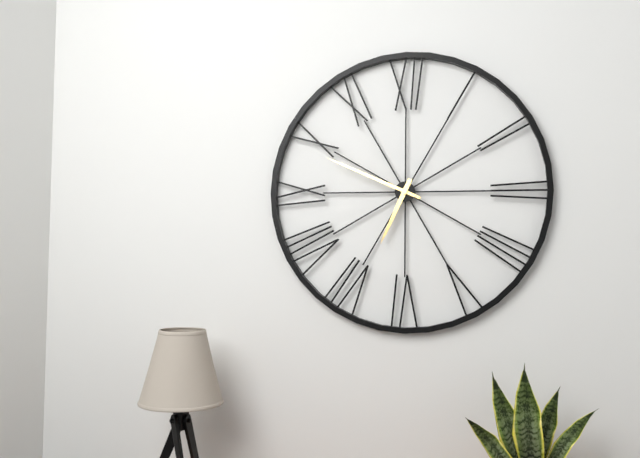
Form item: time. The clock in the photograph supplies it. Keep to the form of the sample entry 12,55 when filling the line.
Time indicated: 6,49
